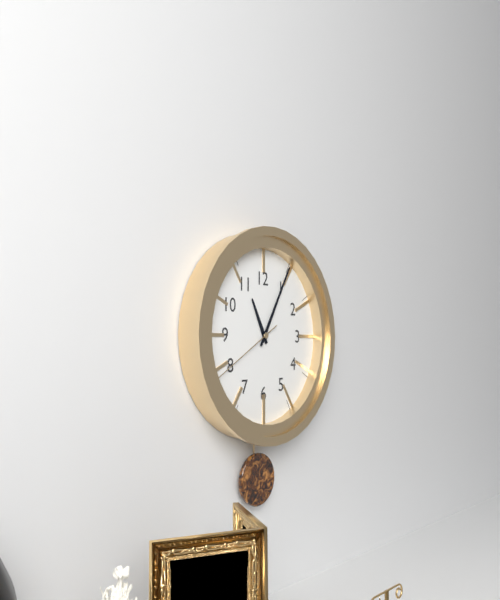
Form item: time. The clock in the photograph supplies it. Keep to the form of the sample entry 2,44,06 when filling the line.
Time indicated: 11,05,40
